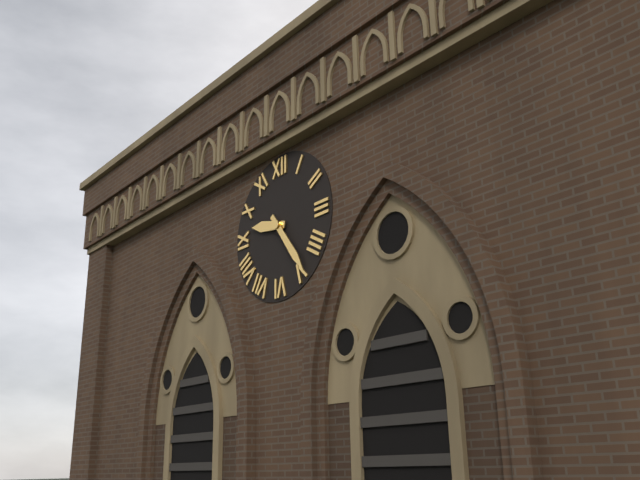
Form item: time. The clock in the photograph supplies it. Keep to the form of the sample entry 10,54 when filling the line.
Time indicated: 9,24
